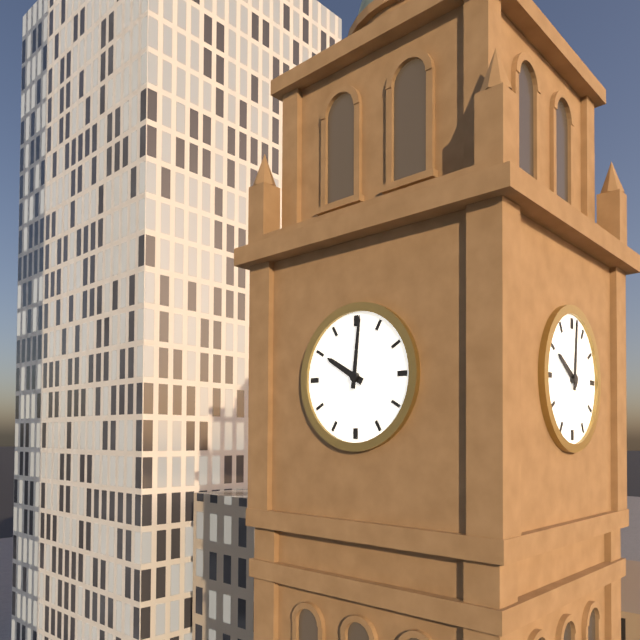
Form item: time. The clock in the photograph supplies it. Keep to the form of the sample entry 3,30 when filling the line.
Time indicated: 10,01
